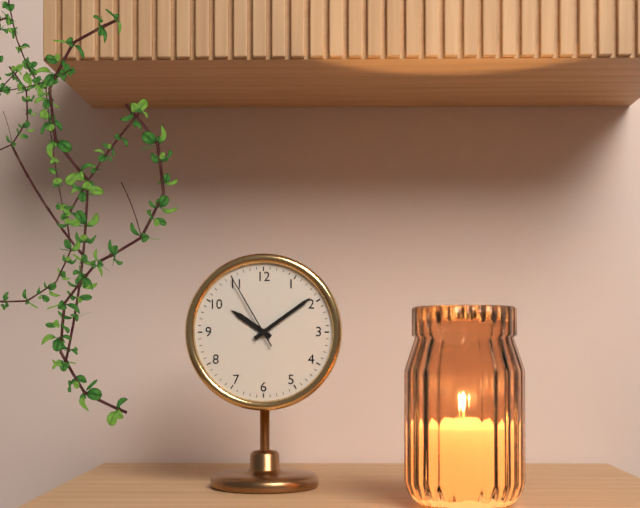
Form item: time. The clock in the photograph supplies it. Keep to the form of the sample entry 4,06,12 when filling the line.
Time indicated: 10,09,55
